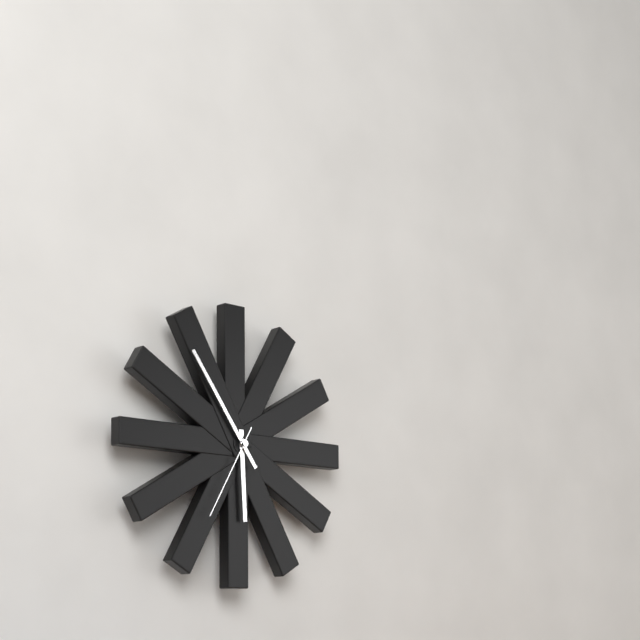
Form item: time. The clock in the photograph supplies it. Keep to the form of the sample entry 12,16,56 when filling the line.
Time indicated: 5,54,35
